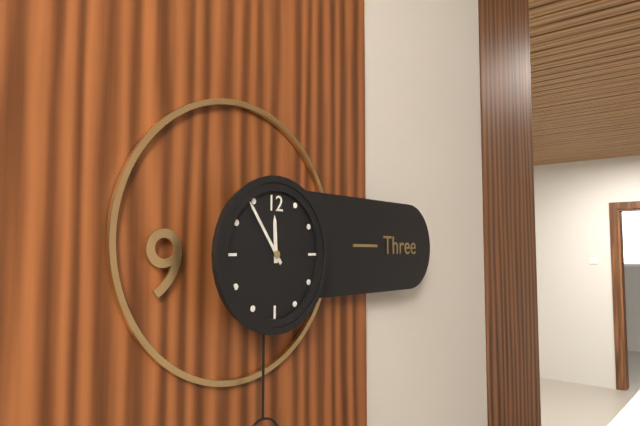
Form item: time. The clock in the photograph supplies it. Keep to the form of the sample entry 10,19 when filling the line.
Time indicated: 11,54
